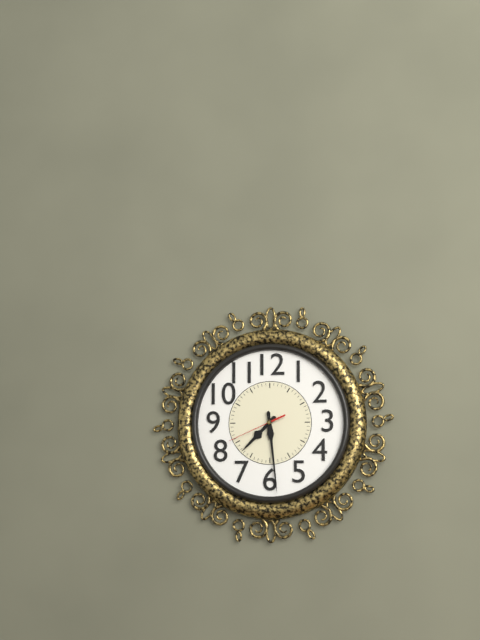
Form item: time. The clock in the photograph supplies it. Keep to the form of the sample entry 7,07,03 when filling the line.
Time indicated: 7,29,41
